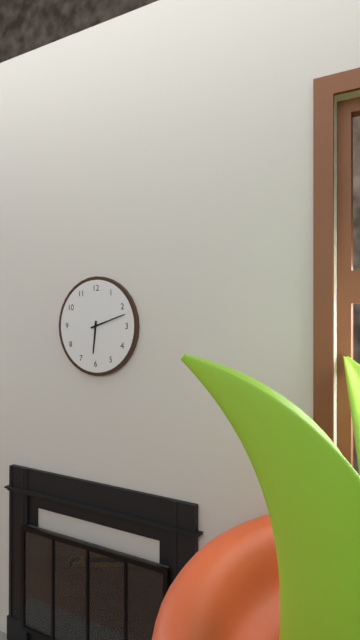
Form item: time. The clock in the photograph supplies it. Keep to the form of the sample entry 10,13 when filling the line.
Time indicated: 6,12
